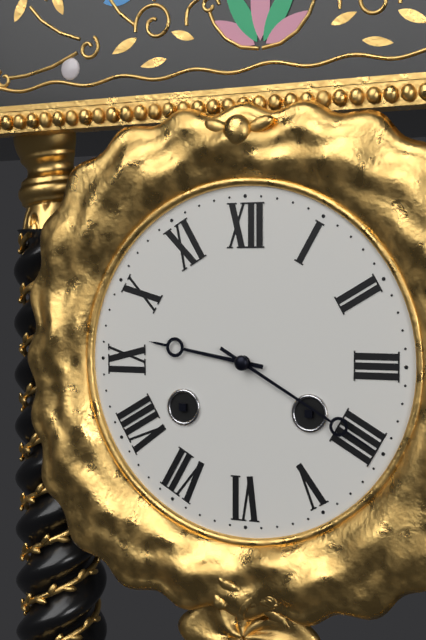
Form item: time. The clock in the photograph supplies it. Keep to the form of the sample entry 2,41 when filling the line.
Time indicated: 9,20
